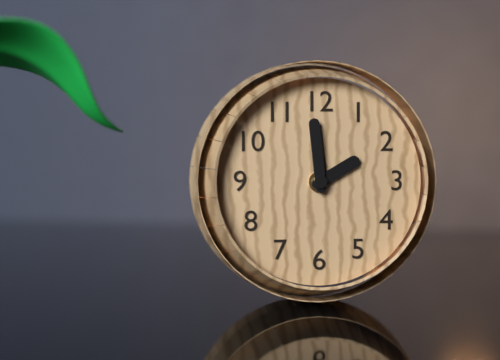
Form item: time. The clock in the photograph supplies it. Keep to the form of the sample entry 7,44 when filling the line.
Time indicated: 1,59
